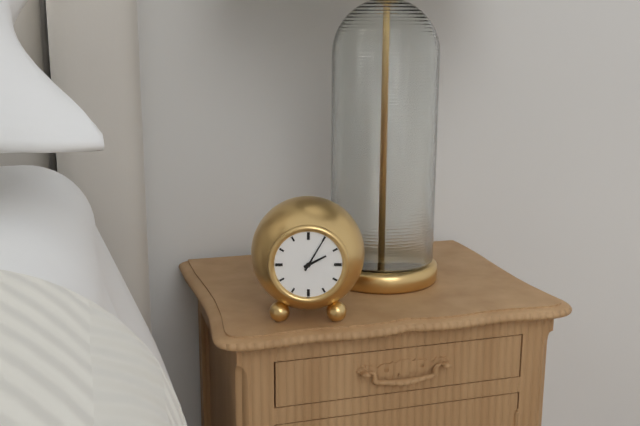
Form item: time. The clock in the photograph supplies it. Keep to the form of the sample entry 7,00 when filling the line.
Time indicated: 2,05
